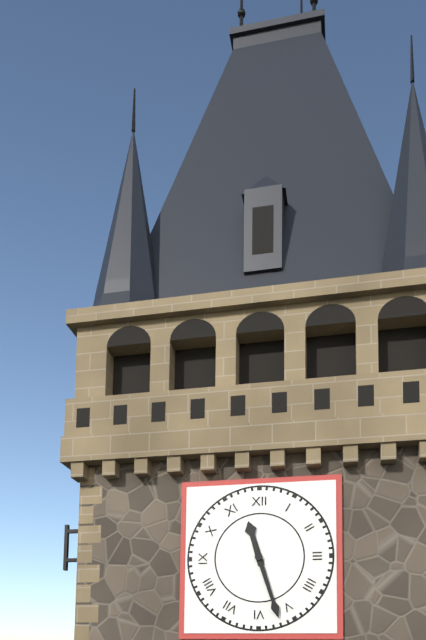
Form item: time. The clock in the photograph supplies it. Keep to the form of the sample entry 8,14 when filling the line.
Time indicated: 11,27
